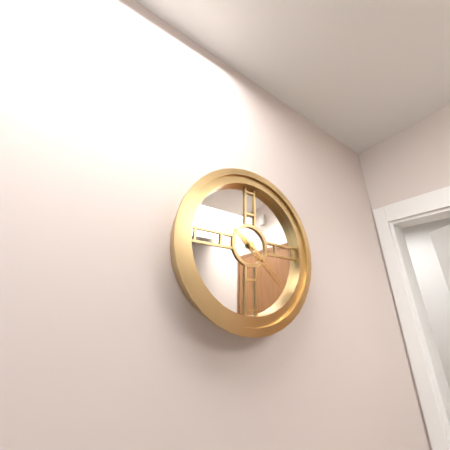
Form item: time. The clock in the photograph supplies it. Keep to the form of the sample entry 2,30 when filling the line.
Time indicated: 10,22
